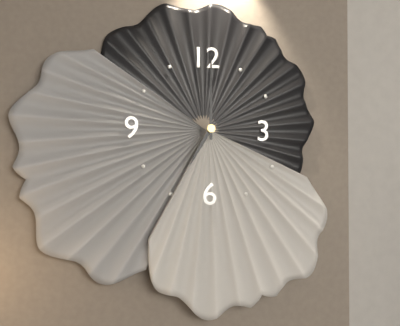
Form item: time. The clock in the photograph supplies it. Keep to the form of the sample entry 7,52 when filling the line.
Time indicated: 7,00
